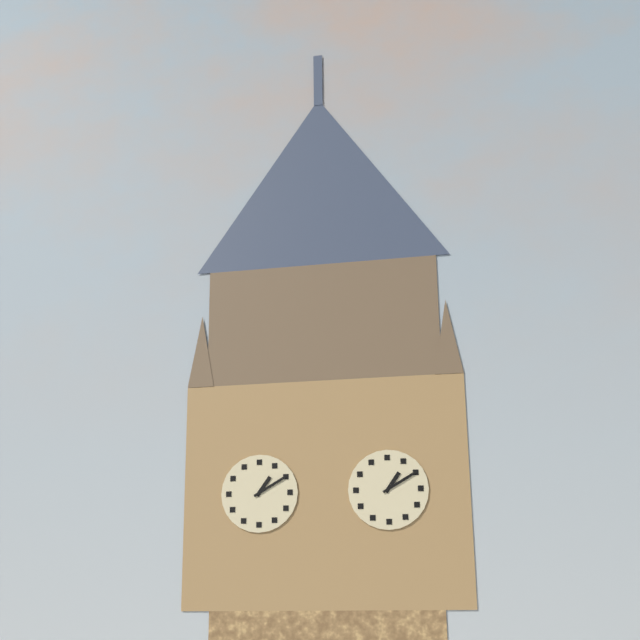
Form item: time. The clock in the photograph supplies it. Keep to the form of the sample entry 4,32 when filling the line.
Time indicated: 1,10
